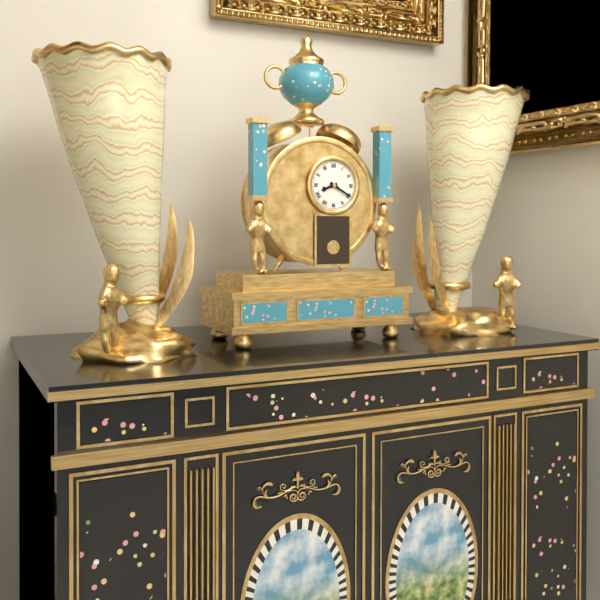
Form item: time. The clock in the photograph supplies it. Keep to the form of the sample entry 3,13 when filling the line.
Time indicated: 8,20
